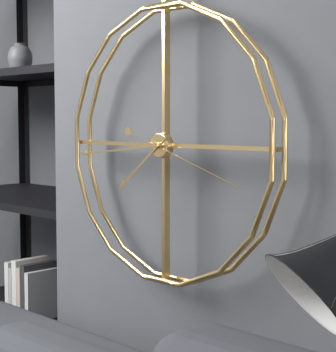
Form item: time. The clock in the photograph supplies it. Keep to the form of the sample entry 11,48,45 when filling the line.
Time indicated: 7,44,18
